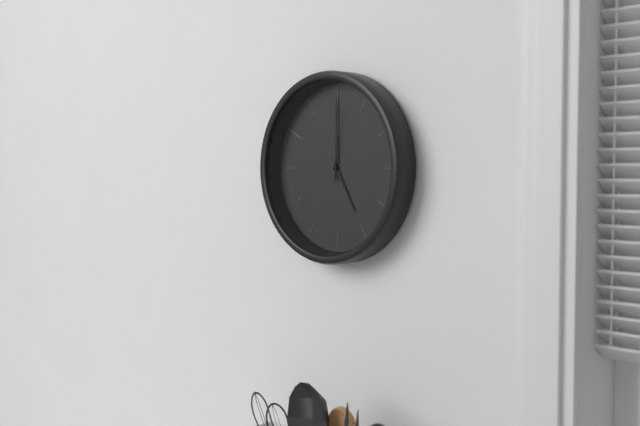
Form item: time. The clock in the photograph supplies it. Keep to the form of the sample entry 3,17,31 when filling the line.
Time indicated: 5,00,01
